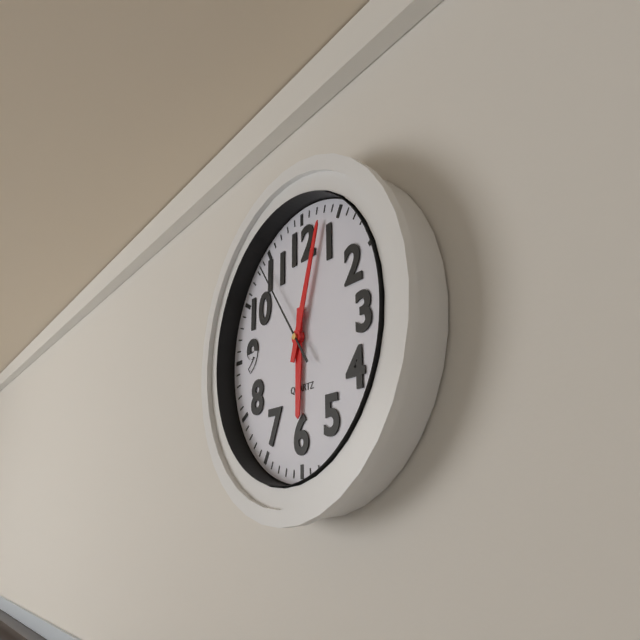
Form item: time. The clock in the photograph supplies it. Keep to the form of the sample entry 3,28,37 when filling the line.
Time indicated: 6,03,54
